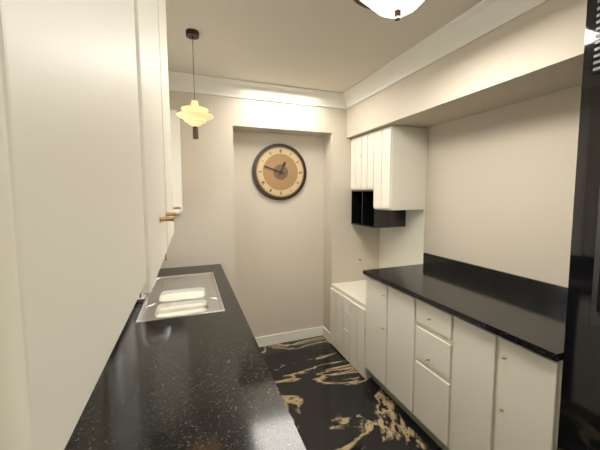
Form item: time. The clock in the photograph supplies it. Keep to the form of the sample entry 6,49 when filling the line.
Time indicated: 12,48
